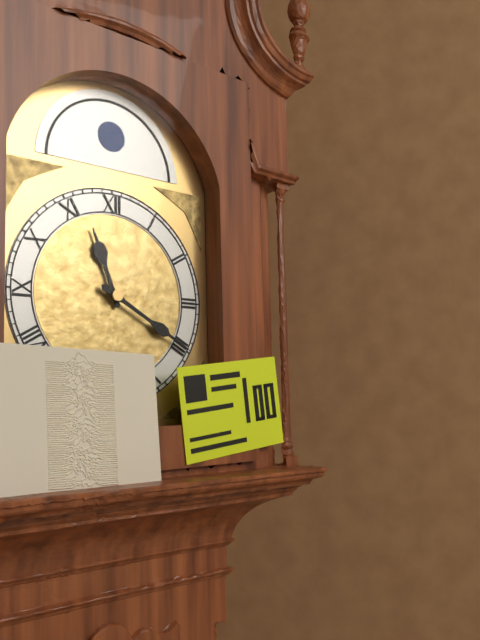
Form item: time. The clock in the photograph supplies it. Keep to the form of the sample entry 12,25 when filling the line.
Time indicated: 11,20
